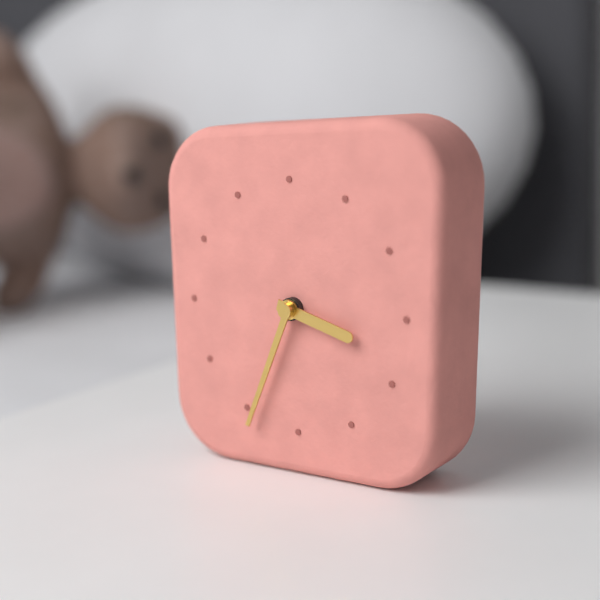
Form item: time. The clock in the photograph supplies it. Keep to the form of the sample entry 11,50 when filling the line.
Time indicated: 3,34
